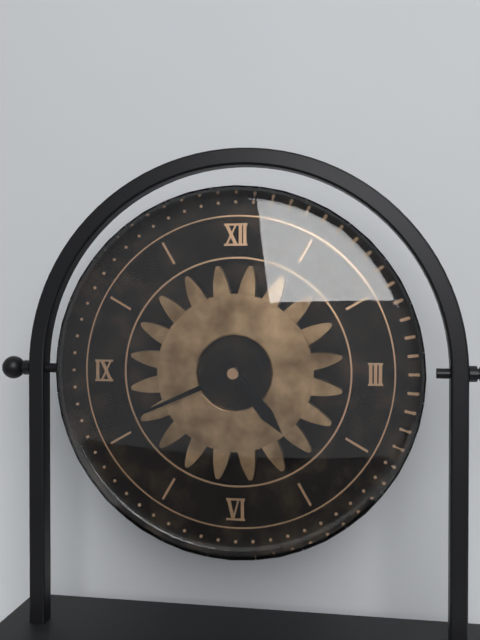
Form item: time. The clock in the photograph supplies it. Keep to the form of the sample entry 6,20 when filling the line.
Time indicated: 4,41
